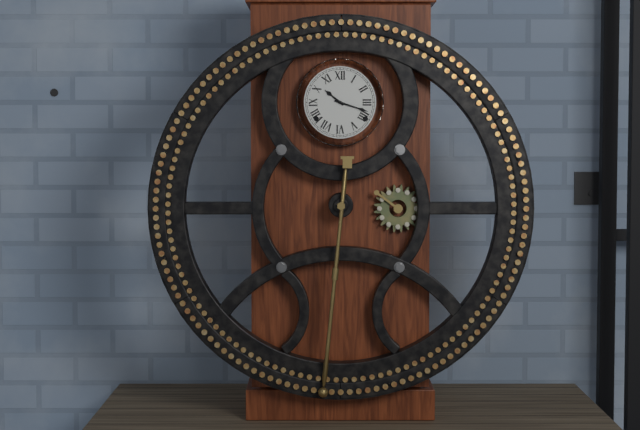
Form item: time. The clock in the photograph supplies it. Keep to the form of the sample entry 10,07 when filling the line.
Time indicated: 10,18
